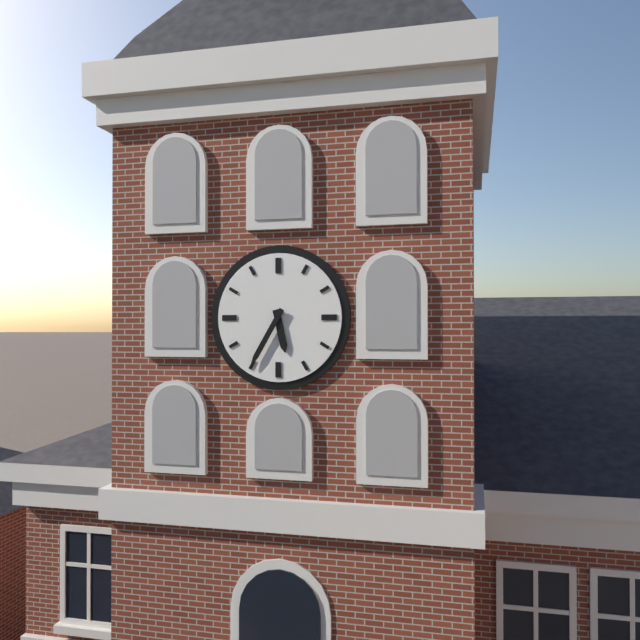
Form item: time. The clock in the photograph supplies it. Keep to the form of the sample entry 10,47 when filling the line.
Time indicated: 5,35
